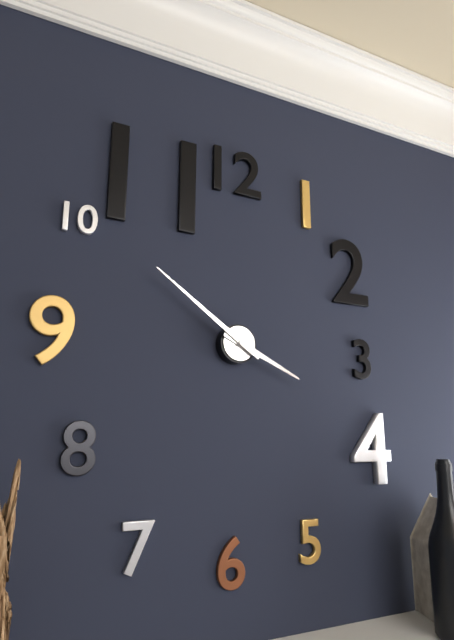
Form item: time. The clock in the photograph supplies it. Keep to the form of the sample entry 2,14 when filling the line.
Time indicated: 3,51
